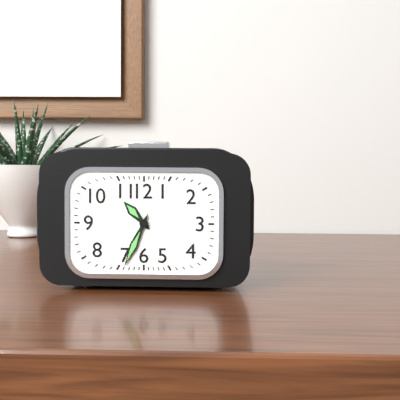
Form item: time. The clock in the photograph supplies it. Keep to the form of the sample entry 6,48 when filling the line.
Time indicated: 10,34
